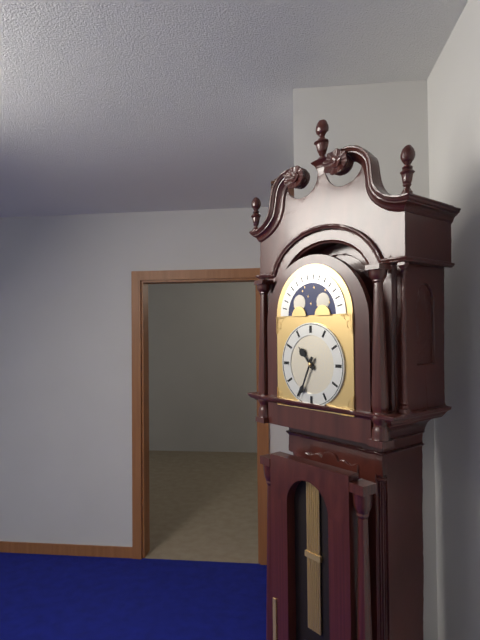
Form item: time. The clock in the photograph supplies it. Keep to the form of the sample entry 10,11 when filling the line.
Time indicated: 10,34
